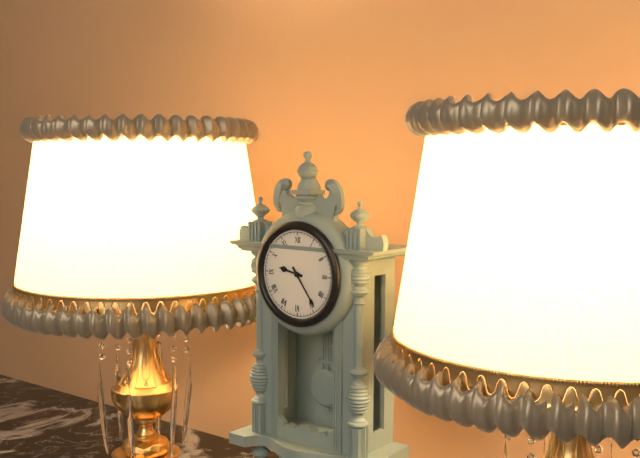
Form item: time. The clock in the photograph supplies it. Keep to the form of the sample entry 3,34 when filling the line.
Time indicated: 9,24
